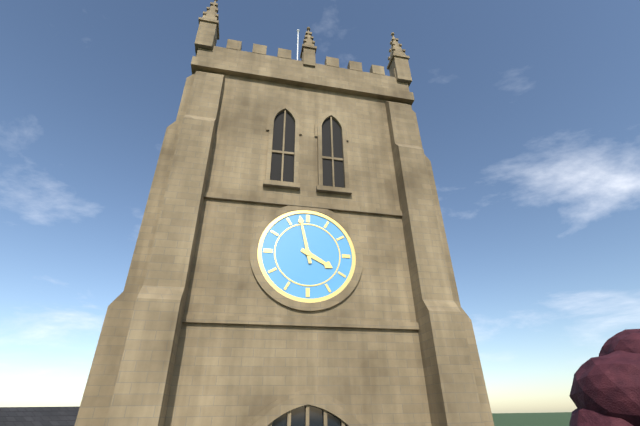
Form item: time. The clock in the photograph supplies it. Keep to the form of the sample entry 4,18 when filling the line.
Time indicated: 3,58
